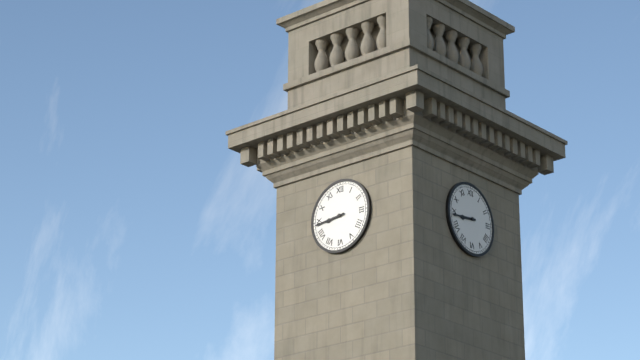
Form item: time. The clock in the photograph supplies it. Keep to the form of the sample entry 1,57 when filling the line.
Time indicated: 8,44
